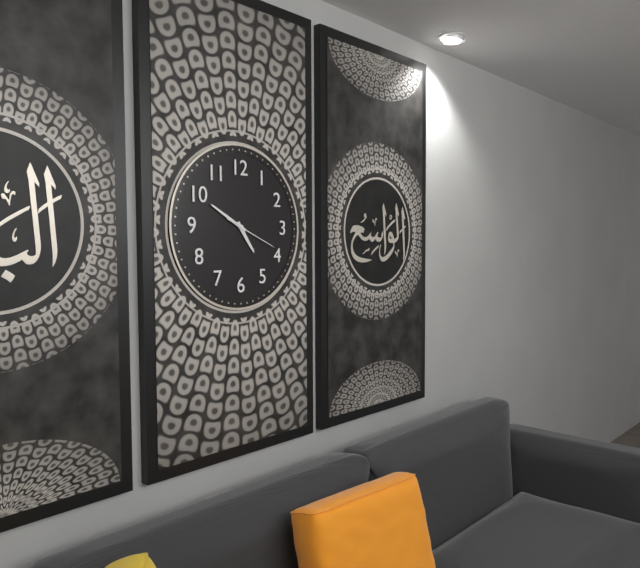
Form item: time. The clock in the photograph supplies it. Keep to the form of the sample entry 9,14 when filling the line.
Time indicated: 4,50
